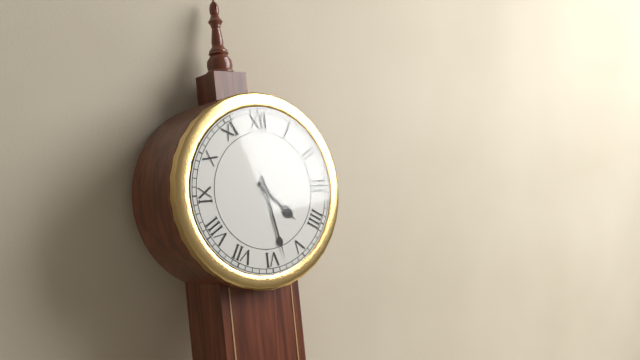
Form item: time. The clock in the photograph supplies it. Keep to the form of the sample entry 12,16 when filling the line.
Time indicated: 4,28
